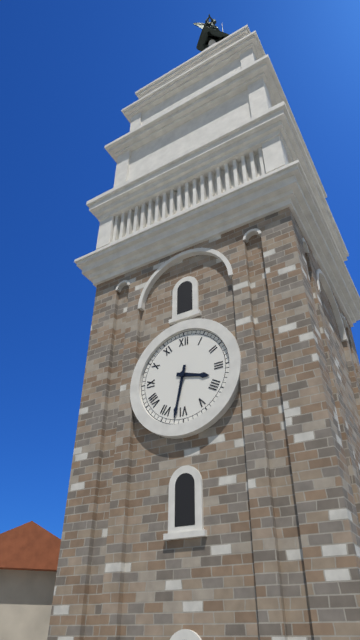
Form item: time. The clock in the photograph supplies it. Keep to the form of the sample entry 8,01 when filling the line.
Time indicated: 3,32
